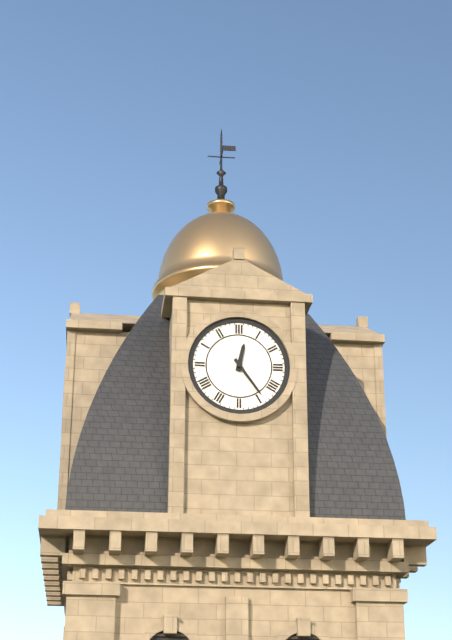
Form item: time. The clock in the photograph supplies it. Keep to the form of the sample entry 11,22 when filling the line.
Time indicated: 12,24
